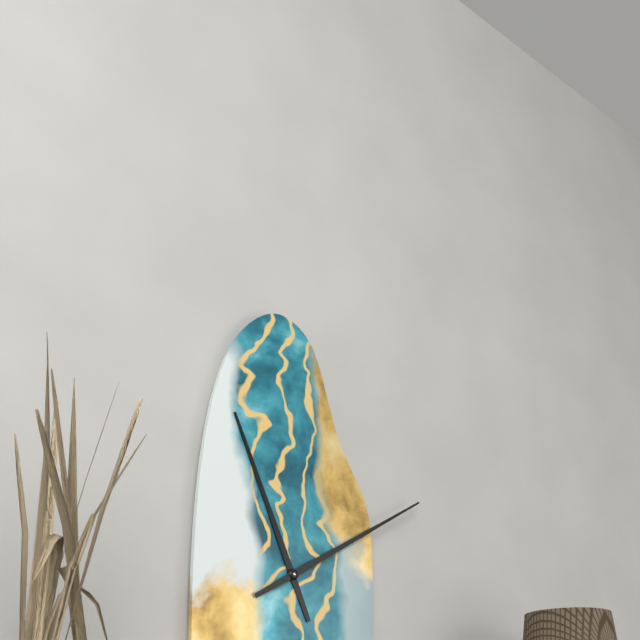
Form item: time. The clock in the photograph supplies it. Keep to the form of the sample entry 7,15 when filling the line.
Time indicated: 11,10
